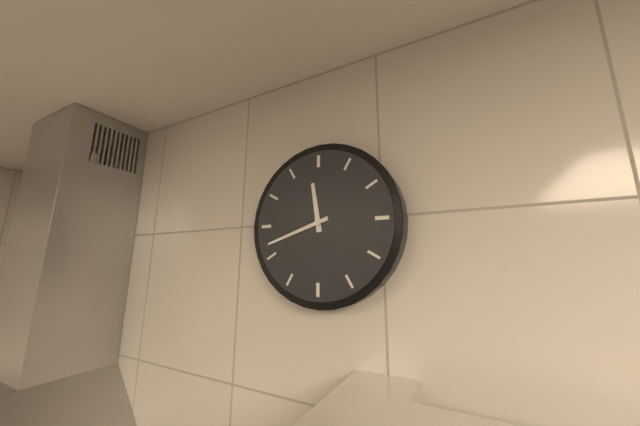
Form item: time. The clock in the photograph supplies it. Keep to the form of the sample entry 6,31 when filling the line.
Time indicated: 11,42
